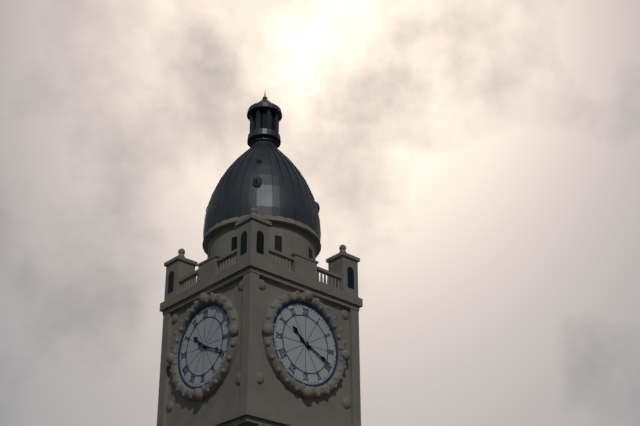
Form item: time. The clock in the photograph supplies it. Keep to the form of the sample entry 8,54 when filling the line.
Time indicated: 10,19
